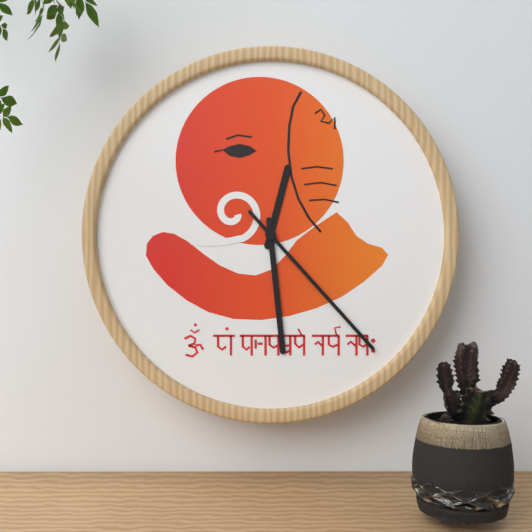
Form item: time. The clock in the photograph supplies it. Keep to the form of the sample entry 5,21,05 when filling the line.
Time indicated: 12,29,23
